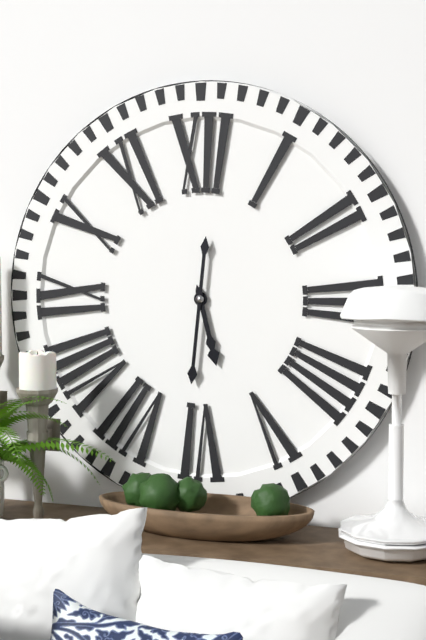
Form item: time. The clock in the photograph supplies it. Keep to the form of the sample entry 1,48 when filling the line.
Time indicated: 5,31
